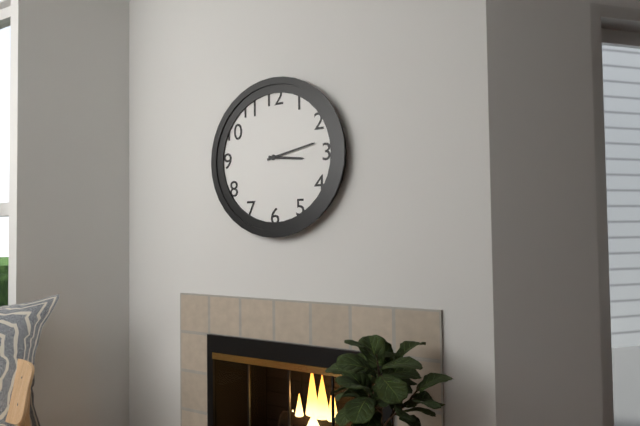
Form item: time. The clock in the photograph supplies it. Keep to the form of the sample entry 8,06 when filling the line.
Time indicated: 3,13
